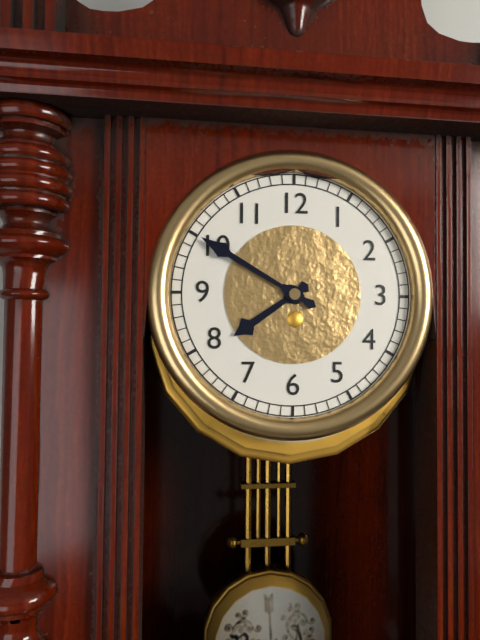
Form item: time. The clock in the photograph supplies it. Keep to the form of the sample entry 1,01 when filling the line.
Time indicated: 7,50
